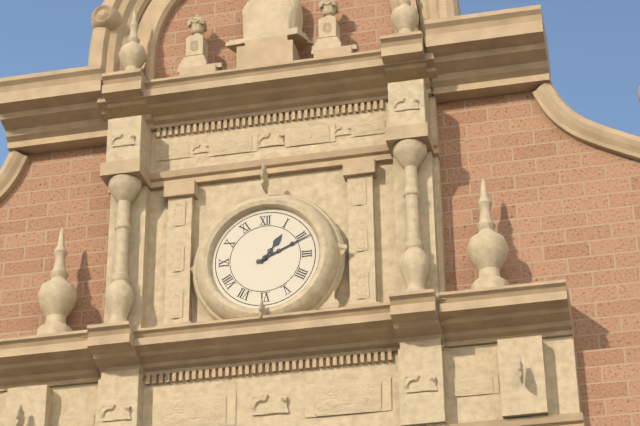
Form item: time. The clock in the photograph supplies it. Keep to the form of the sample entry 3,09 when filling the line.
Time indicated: 1,11
